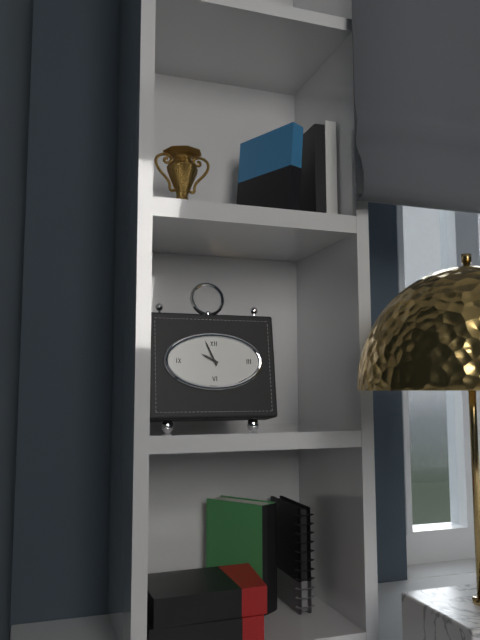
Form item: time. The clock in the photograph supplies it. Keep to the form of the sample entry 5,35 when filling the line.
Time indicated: 9,56
